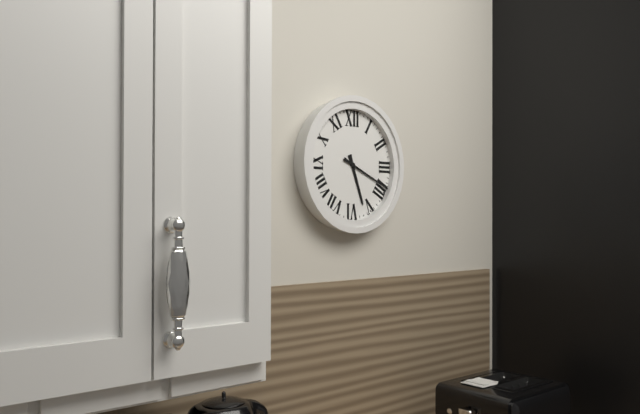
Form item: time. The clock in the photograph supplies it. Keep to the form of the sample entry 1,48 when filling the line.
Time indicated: 5,19
